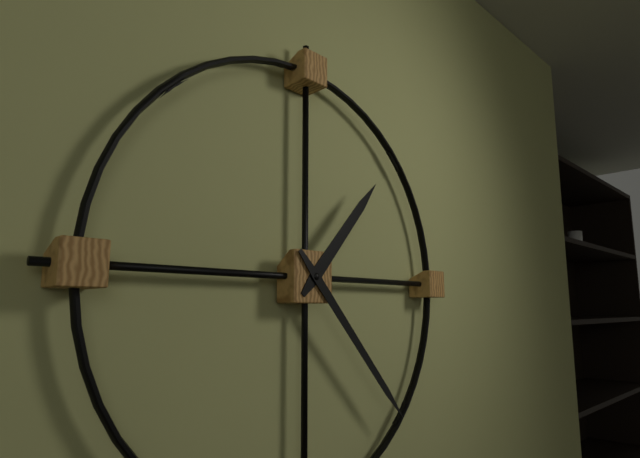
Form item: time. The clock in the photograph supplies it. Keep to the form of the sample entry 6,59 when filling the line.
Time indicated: 1,23
